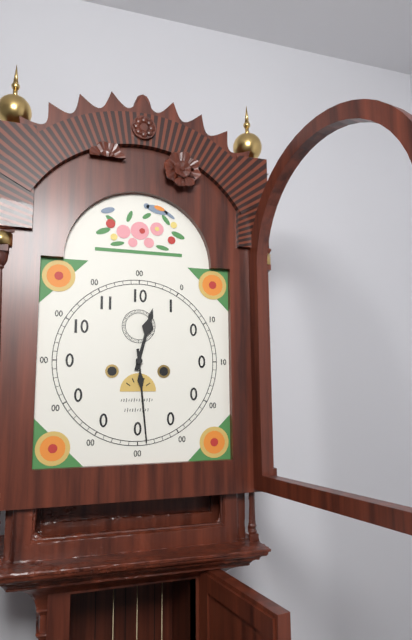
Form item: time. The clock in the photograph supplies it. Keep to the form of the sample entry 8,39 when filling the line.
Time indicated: 12,29
